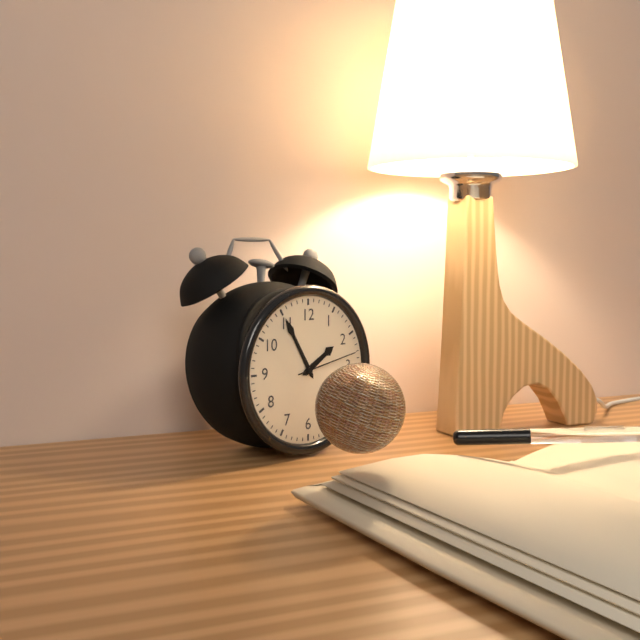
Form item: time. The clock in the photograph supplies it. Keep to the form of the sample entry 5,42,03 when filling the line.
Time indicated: 1,55,13
